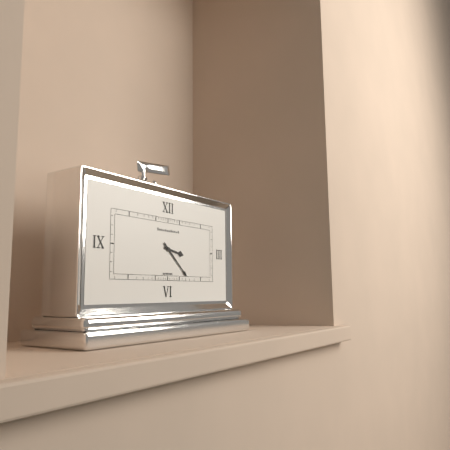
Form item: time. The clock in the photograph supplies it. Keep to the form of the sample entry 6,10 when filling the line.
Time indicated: 3,22
